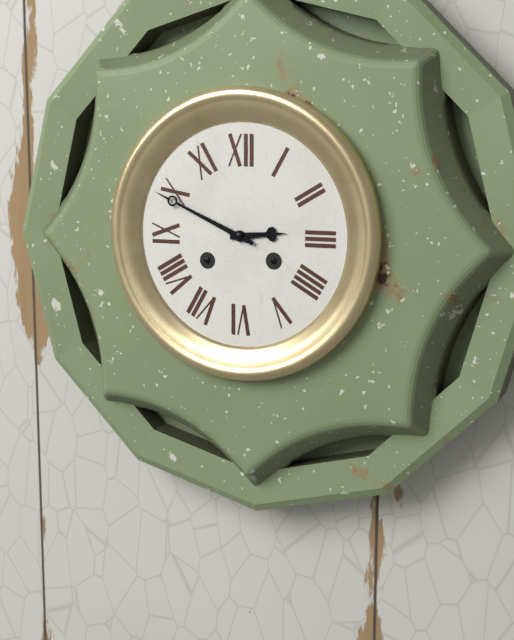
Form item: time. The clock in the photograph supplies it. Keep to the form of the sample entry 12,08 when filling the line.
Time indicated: 2,49
